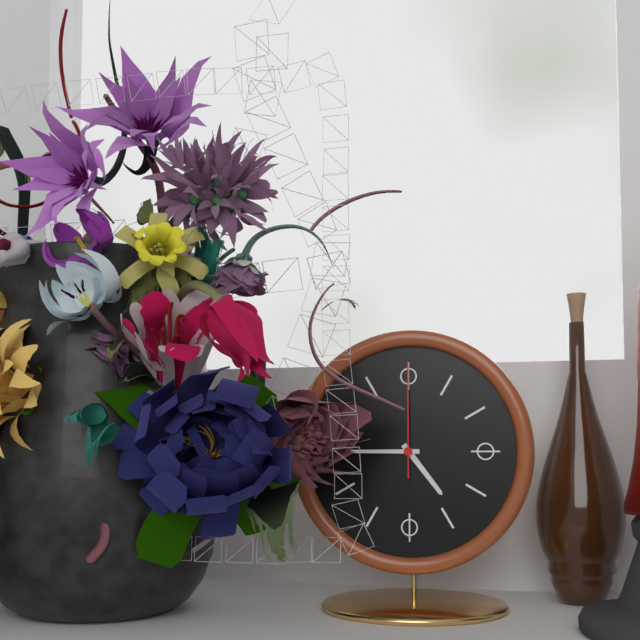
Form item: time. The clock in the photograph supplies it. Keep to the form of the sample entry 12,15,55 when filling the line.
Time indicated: 4,45,00
